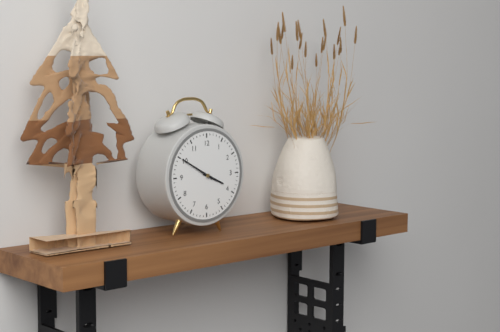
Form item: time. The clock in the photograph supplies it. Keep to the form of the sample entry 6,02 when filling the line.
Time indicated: 3,50
